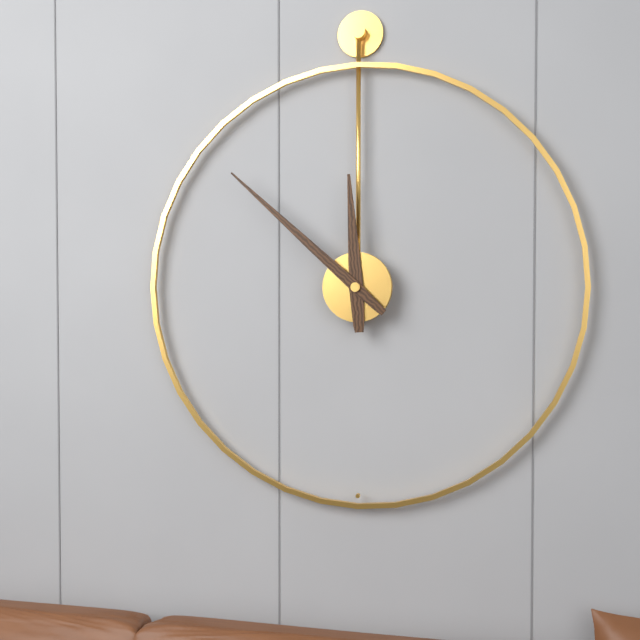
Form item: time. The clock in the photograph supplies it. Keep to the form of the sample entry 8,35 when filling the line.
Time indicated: 11,52
